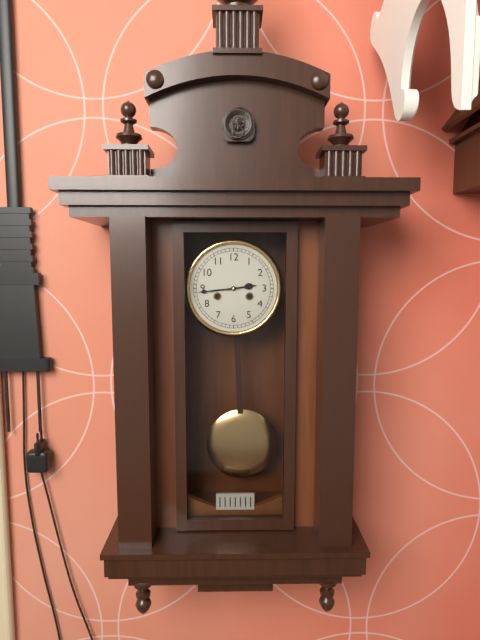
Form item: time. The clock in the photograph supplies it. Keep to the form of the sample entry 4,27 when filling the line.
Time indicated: 2,44
